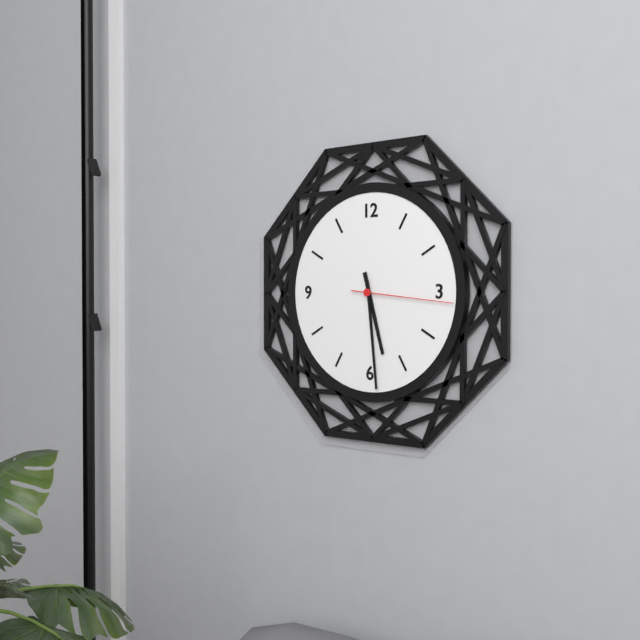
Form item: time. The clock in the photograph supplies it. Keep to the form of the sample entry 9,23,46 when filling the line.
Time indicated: 5,29,16
